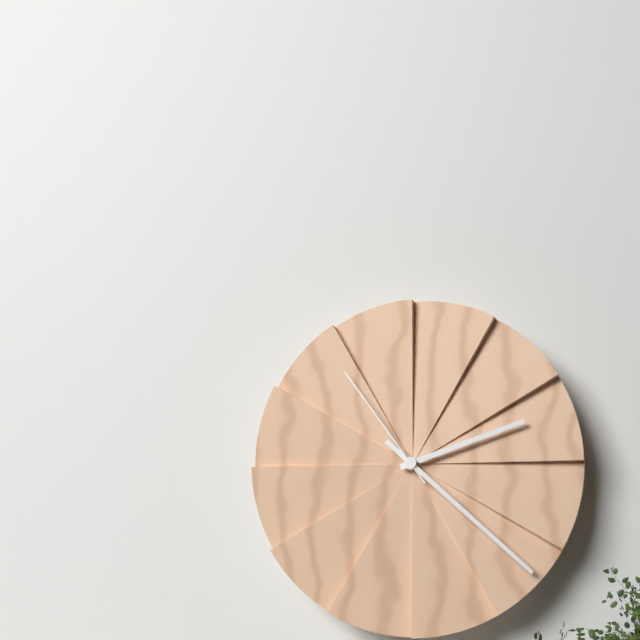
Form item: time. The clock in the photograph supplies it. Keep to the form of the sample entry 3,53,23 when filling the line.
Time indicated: 2,22,54
